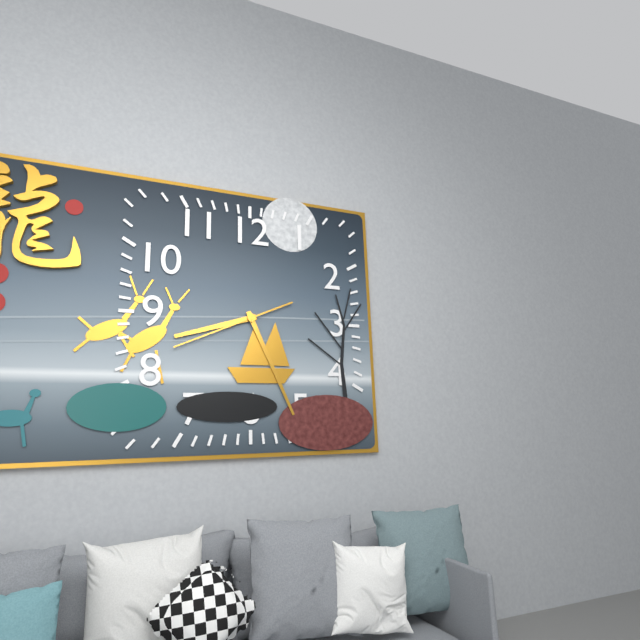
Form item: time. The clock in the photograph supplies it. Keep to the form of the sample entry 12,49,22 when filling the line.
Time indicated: 8,26,41
